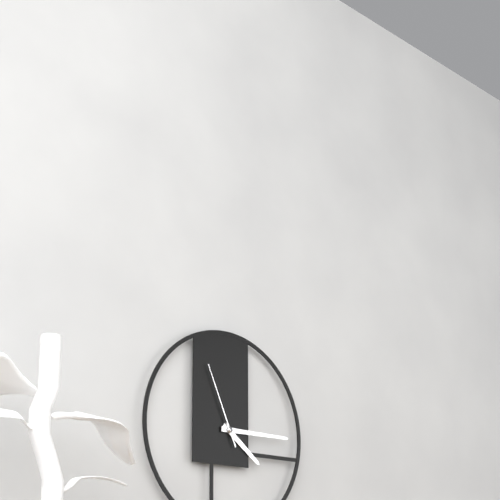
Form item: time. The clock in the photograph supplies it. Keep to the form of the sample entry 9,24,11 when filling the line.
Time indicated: 4,15,56
